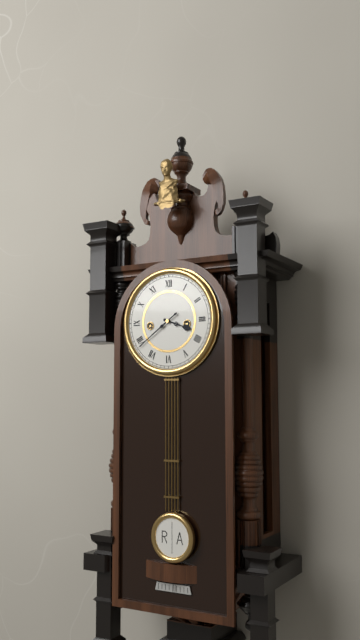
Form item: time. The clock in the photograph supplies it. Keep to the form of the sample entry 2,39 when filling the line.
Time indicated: 3,39
